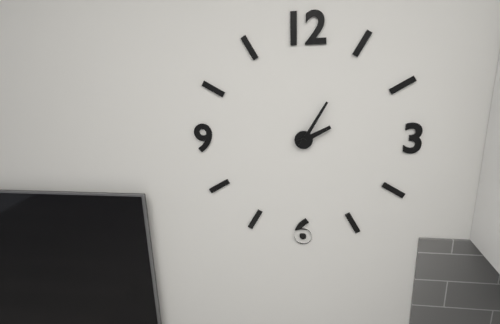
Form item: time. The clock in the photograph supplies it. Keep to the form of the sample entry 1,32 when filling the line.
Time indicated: 2,05
